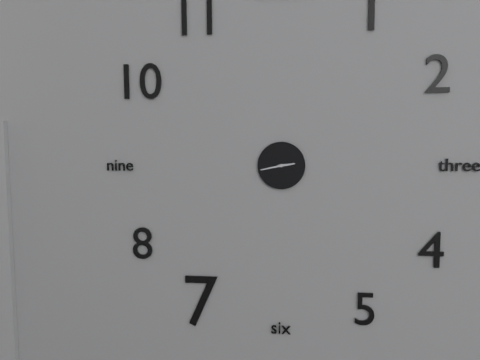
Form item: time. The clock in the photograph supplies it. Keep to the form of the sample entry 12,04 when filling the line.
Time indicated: 2,43
